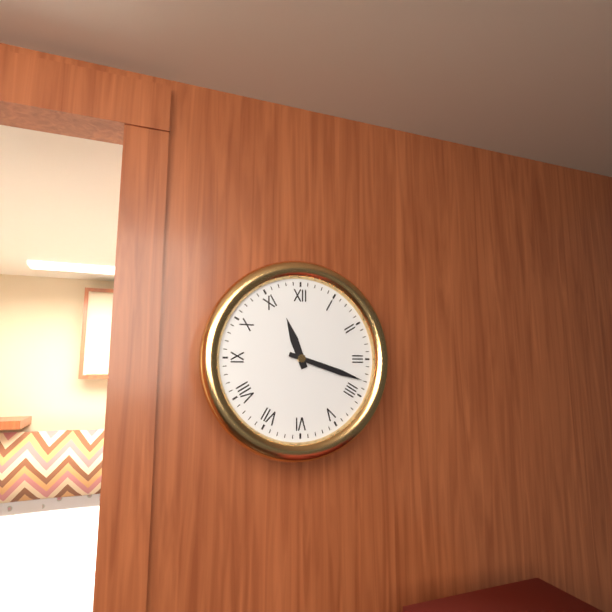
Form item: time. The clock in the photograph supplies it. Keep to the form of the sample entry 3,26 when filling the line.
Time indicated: 11,18
